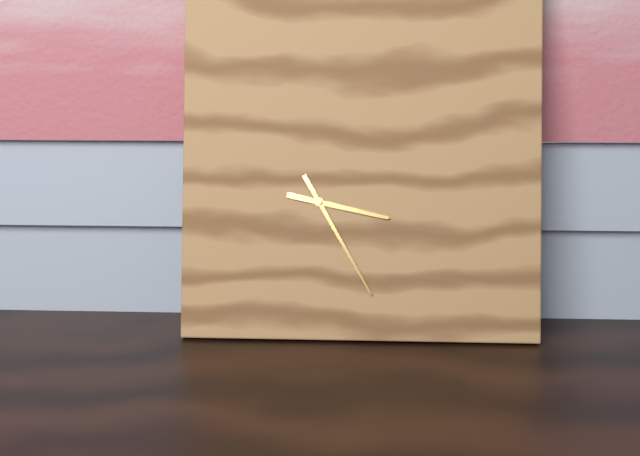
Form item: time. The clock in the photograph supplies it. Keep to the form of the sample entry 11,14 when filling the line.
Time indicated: 3,25
